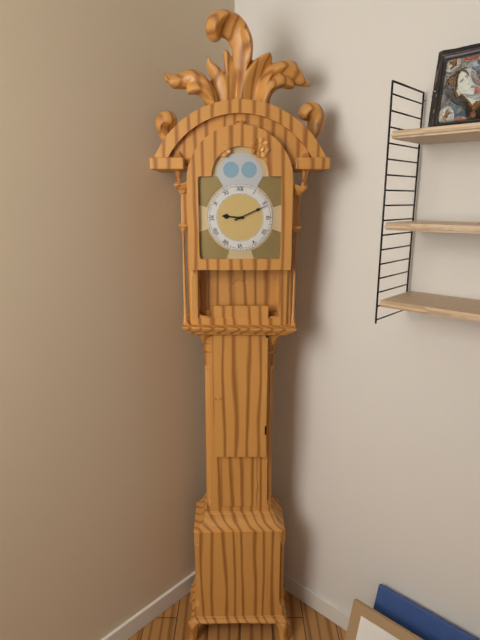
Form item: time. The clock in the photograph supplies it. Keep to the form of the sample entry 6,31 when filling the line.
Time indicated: 9,11
